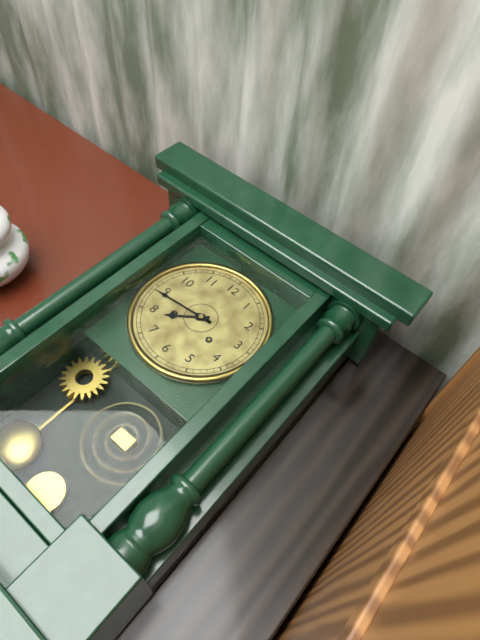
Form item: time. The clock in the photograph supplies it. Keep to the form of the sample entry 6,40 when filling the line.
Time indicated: 7,44
